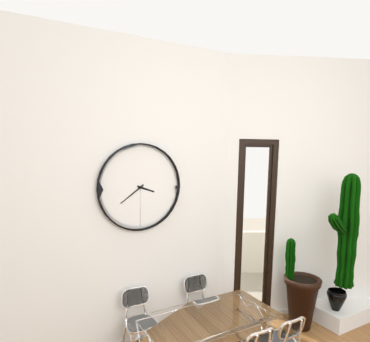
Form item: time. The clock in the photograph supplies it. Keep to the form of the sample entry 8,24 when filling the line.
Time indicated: 3,39
